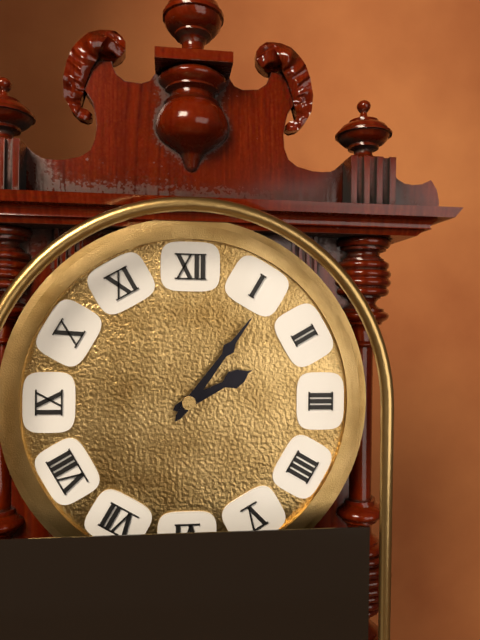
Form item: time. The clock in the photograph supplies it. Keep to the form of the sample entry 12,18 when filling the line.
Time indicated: 2,06
